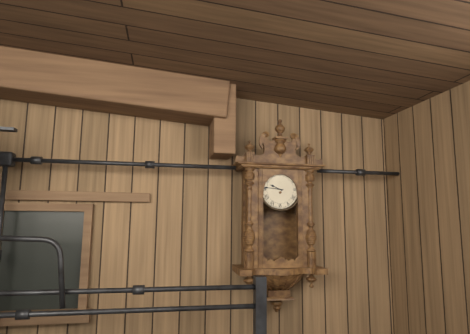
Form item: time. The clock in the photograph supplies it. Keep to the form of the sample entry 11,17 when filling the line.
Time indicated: 9,46
